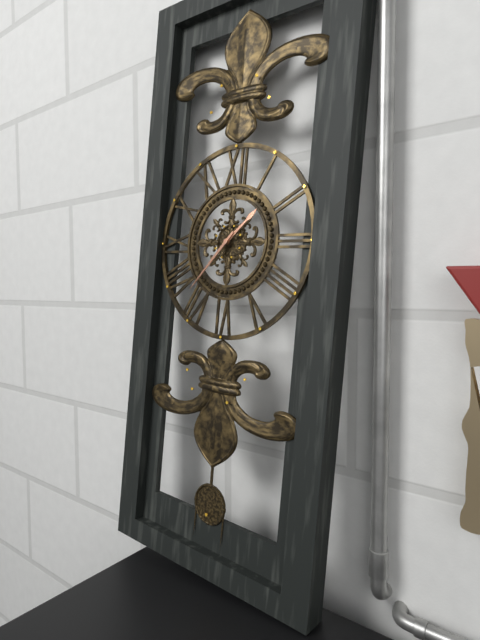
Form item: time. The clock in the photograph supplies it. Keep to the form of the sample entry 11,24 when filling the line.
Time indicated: 1,37
